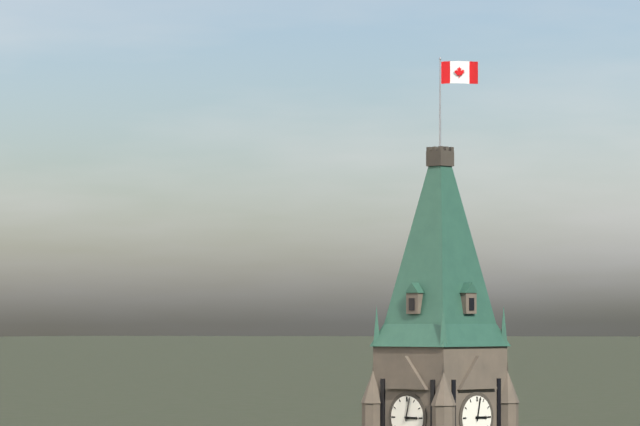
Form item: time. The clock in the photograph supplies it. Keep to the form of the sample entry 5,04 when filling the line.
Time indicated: 3,02
